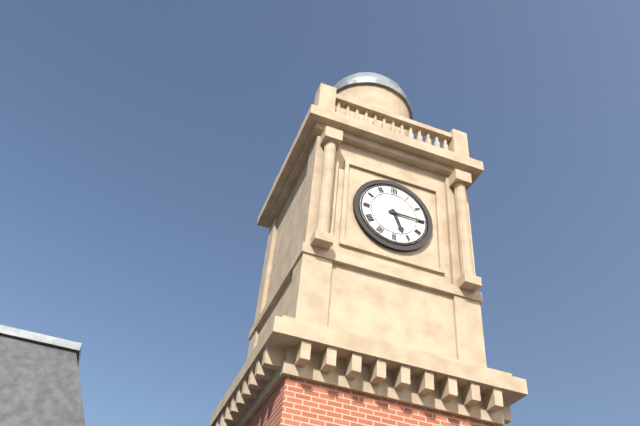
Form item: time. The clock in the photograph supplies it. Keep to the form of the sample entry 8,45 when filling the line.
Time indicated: 5,15
